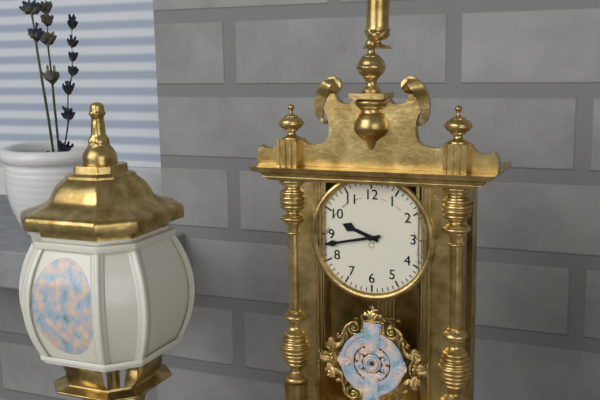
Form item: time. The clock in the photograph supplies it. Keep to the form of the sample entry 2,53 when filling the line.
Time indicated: 9,43
